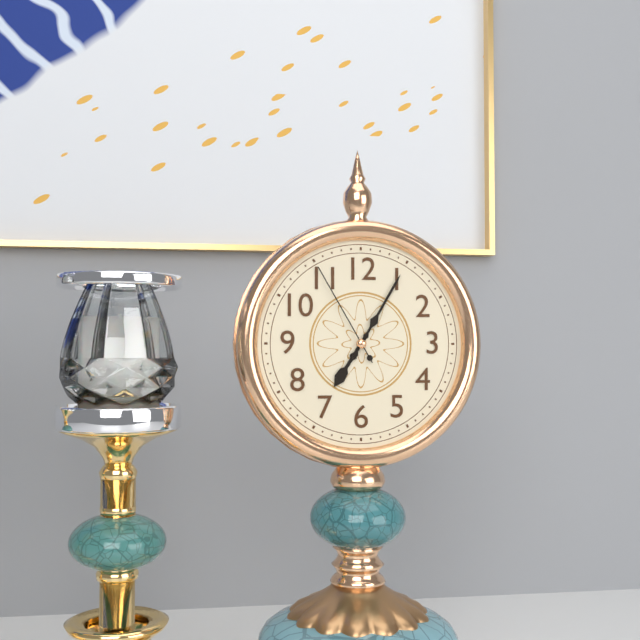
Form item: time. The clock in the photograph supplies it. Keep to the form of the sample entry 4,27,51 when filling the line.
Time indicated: 7,05,55
